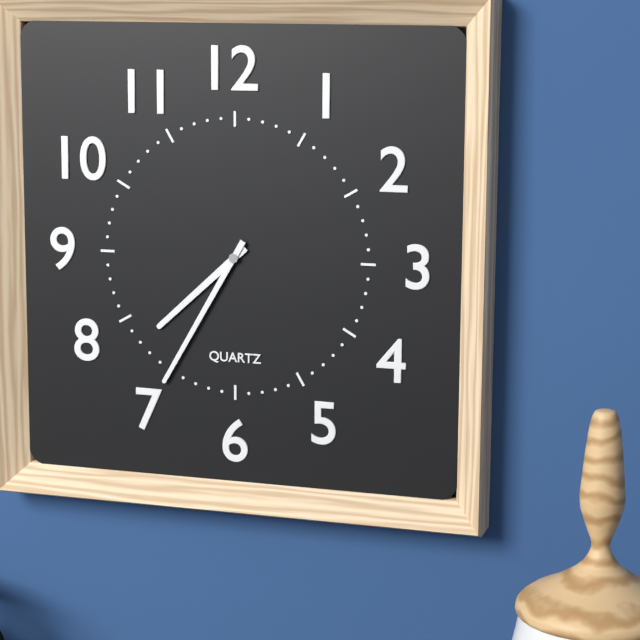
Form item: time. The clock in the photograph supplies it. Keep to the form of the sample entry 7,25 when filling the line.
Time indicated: 7,35
